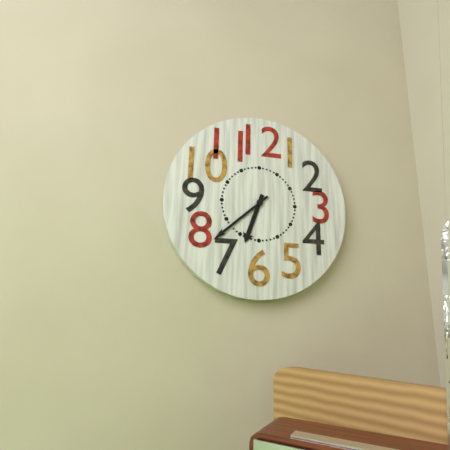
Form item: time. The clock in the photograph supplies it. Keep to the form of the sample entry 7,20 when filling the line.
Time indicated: 6,38
